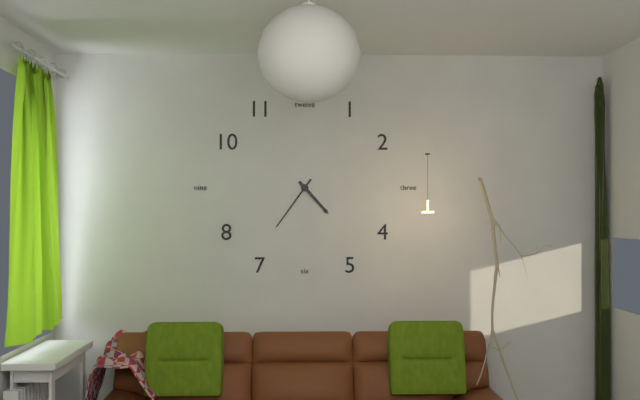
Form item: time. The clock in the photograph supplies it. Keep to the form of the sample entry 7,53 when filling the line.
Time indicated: 4,36
